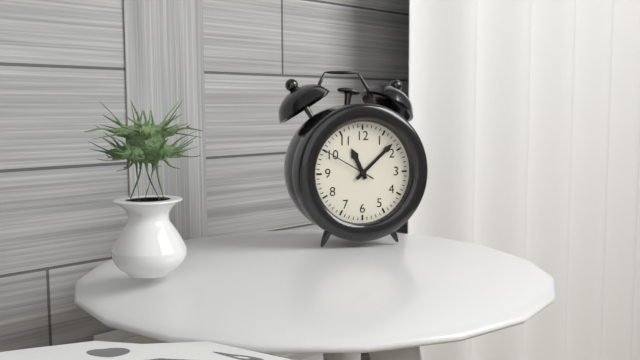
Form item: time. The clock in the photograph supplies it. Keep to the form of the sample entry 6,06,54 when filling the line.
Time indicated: 11,08,50
